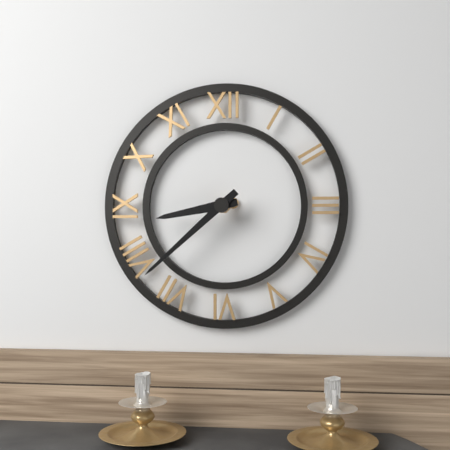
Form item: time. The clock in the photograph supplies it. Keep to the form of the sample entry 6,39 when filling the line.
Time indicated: 8,38
